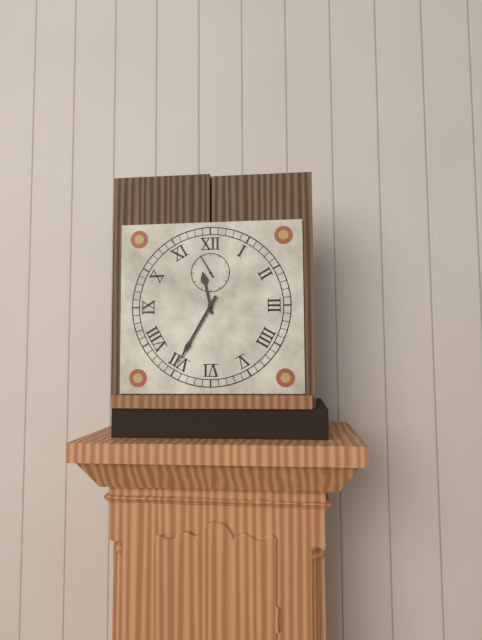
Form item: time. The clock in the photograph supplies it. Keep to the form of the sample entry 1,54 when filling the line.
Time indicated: 11,35
